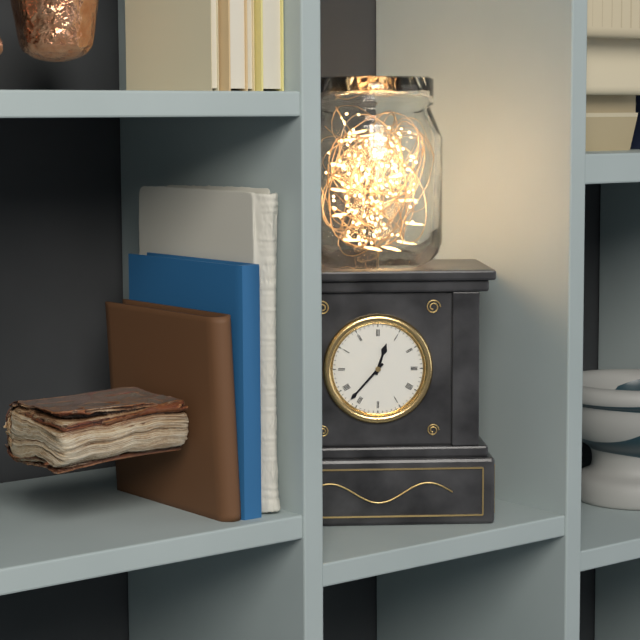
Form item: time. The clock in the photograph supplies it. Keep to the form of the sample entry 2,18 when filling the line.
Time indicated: 12,37
